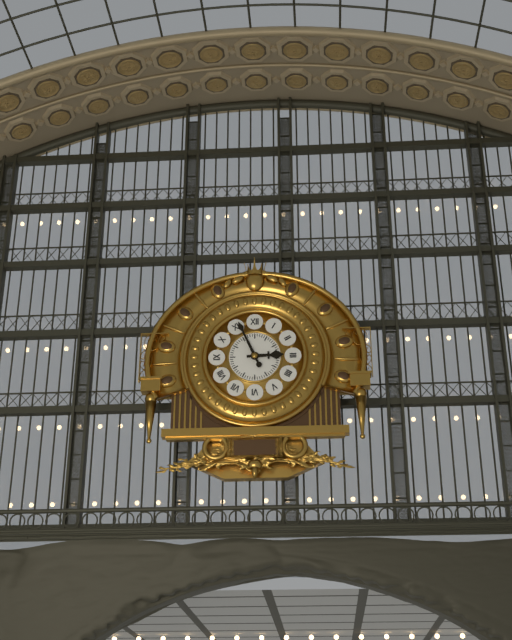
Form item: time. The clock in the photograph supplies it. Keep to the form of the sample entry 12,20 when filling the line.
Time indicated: 2,56
